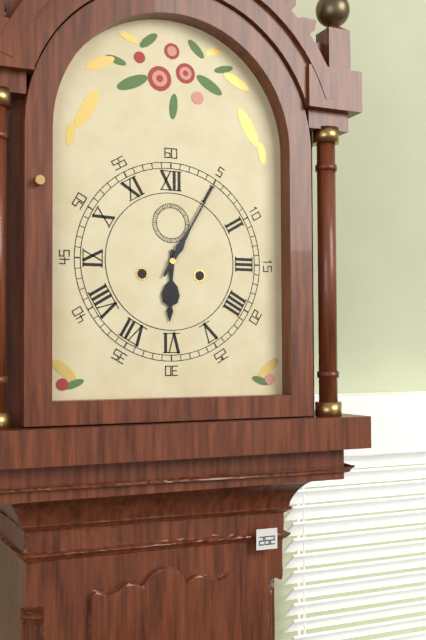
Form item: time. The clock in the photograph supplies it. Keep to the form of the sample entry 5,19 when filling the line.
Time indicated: 6,05
